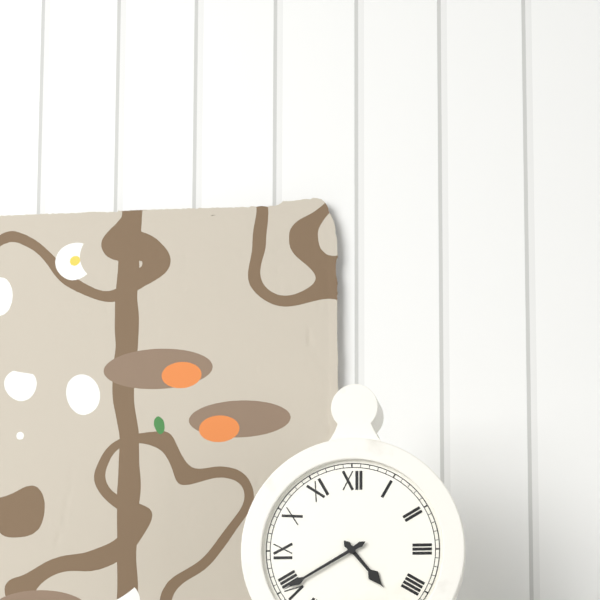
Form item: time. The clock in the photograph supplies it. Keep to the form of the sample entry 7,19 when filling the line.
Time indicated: 4,40
